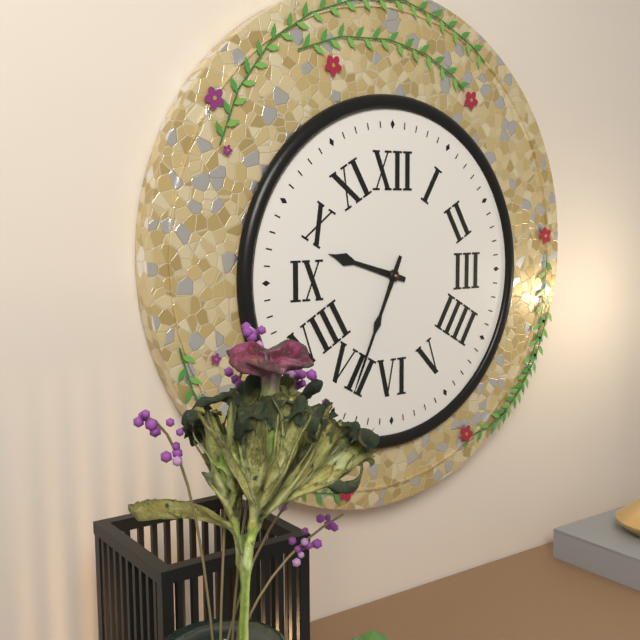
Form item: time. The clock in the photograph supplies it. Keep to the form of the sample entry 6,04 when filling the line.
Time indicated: 9,34
